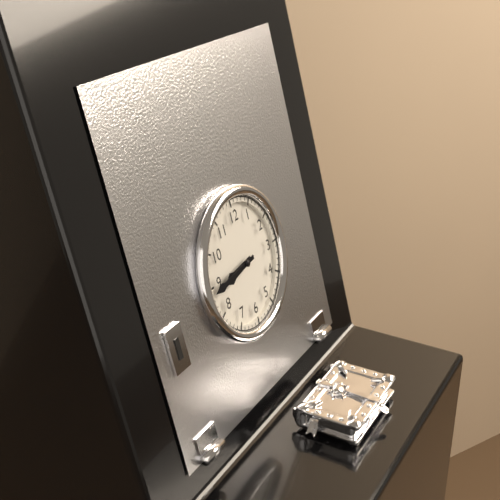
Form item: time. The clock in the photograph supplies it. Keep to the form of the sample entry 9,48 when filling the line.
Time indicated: 8,44
